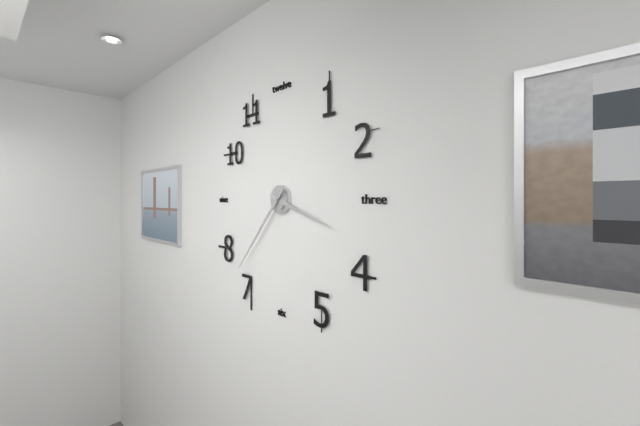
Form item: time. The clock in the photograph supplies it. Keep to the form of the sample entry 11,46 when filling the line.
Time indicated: 3,37
